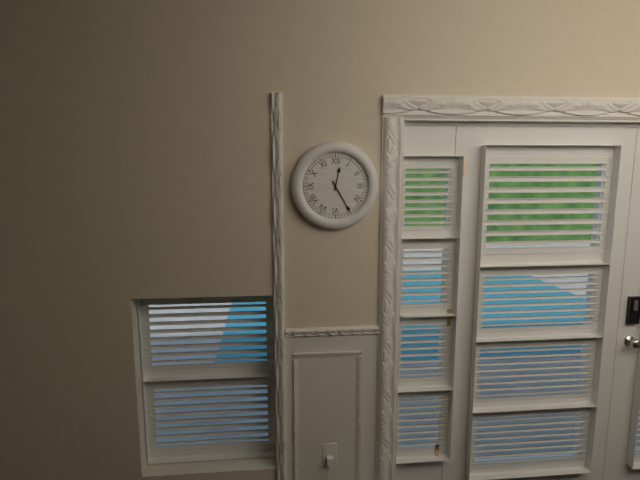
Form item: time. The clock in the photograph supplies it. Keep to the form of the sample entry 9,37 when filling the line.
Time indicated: 12,25
